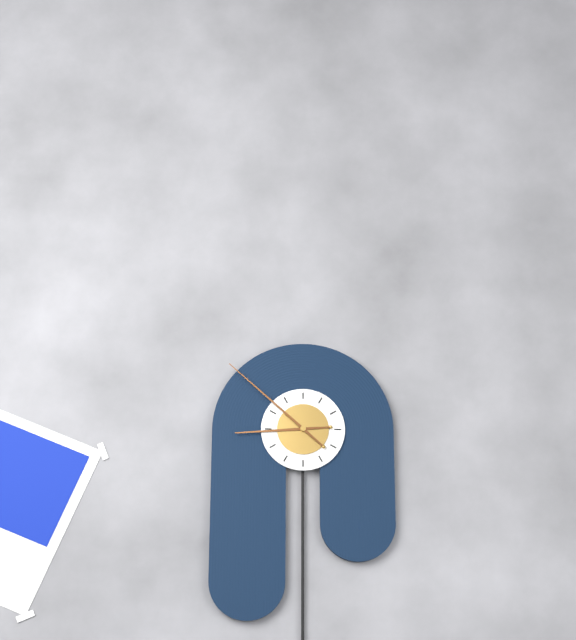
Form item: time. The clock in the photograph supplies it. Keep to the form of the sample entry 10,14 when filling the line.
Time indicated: 8,52
